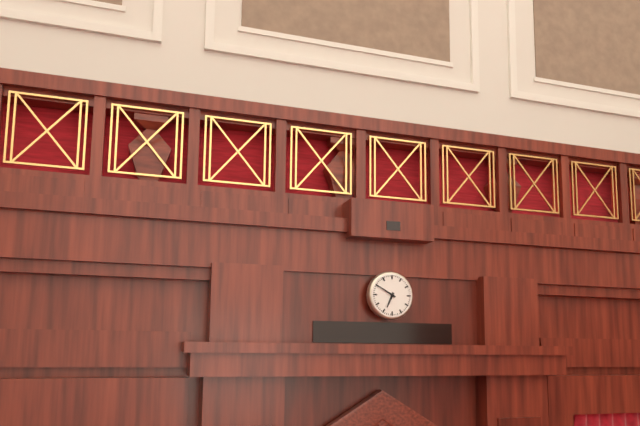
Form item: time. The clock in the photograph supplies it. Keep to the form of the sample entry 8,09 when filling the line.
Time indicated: 6,50
